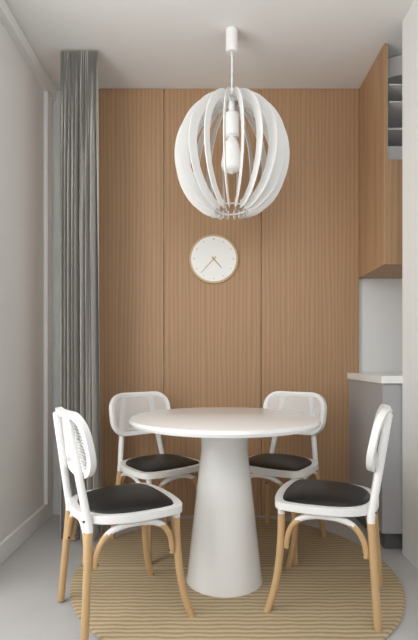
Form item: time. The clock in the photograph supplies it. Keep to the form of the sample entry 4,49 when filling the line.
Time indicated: 4,37
